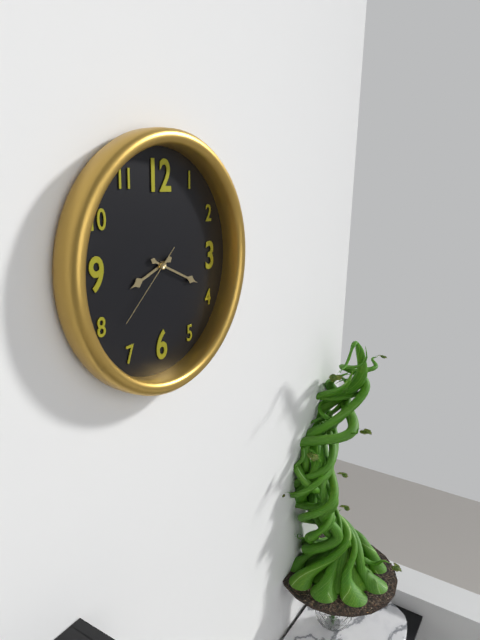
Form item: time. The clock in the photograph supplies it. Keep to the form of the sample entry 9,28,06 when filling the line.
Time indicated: 8,19,38
